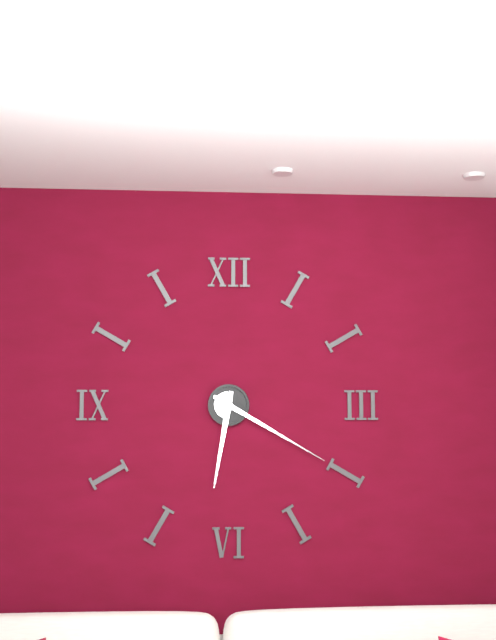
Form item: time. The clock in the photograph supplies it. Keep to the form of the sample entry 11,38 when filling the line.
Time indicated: 6,20
